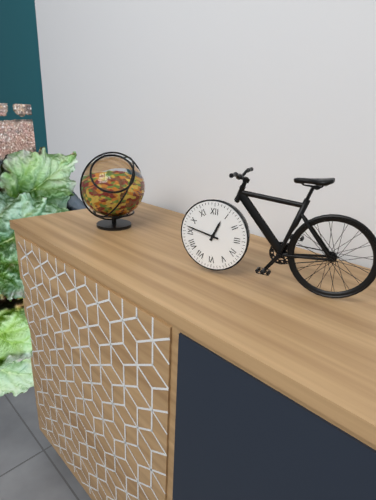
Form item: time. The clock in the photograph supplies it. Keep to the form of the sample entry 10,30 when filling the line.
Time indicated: 12,47
